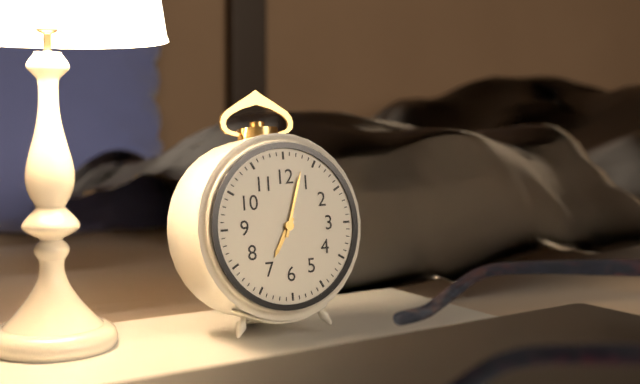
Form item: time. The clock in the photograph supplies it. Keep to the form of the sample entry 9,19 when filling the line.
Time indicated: 7,03
